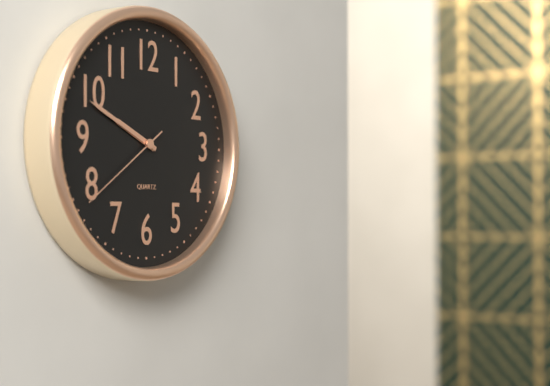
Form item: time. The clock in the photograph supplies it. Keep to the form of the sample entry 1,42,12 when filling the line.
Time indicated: 9,49,39
